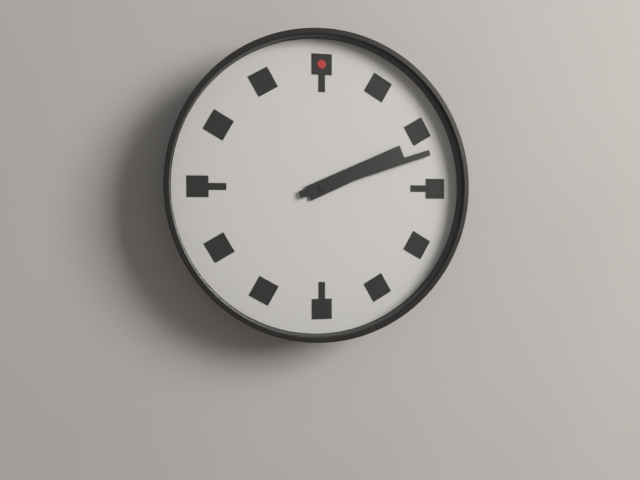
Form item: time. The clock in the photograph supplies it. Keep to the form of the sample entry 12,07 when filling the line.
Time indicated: 2,12
